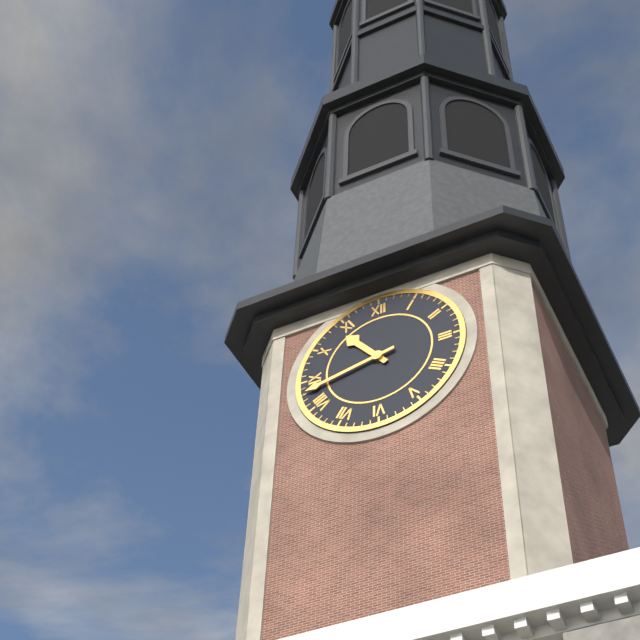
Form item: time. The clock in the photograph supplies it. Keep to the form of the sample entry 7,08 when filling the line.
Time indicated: 10,43
